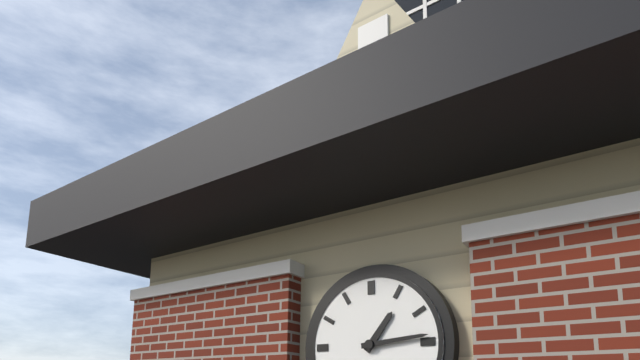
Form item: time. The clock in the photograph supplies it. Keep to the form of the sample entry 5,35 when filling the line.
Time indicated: 1,14
